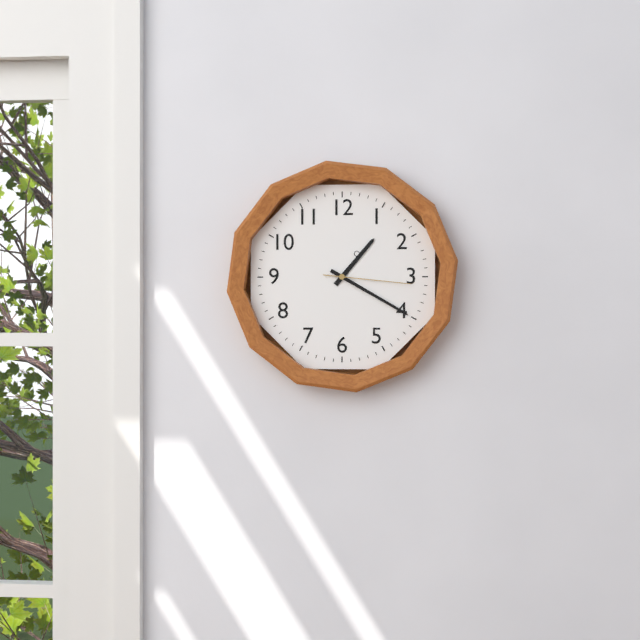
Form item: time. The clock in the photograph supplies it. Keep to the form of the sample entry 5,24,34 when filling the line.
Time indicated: 1,20,16
